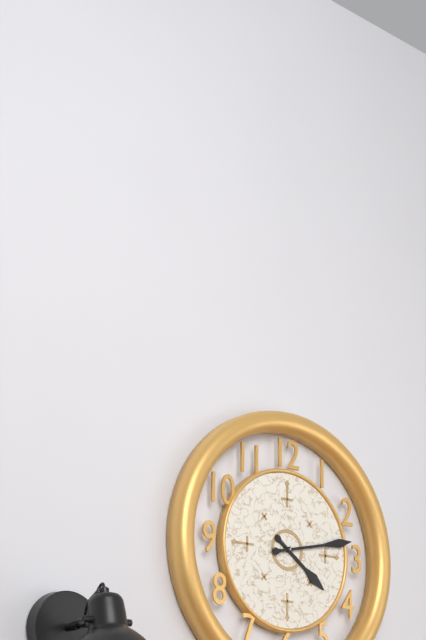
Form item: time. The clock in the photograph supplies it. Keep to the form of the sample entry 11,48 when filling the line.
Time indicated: 4,13
